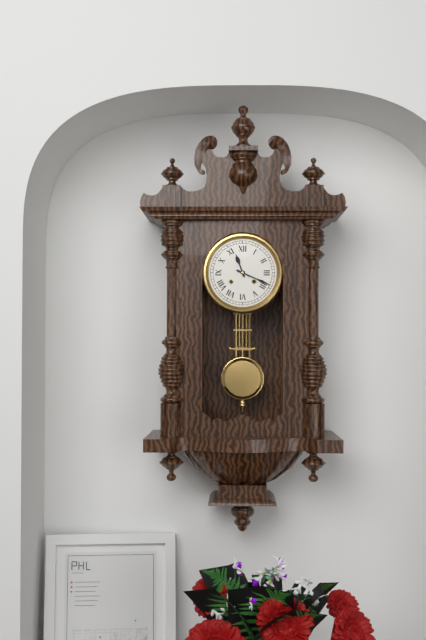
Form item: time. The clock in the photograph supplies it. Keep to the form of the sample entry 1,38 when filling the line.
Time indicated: 11,19
